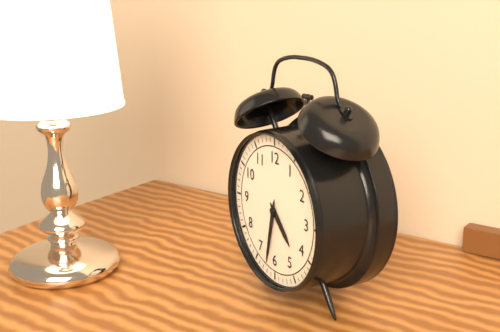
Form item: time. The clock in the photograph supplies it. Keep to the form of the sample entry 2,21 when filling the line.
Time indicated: 4,32
